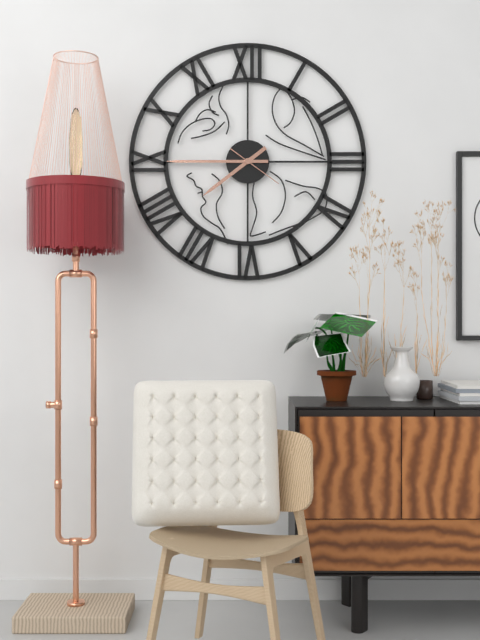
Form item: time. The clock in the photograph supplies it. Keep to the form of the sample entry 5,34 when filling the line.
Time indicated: 7,45
